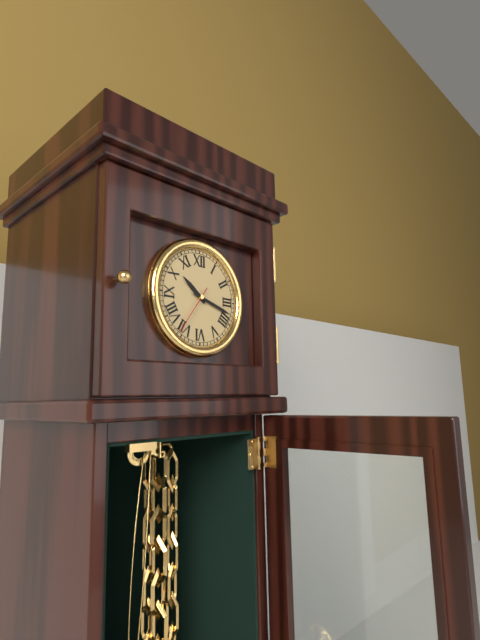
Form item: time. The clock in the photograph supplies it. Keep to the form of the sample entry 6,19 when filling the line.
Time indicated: 10,18
